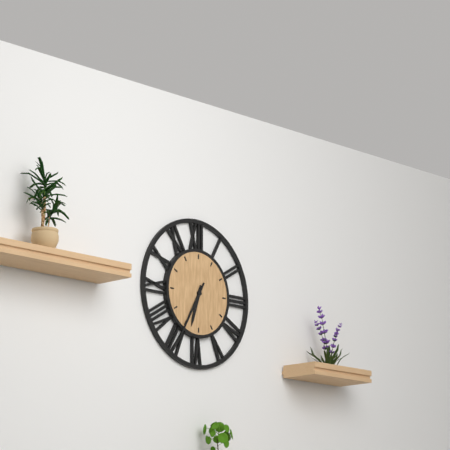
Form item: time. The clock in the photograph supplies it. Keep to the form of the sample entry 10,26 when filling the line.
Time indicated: 6,35
